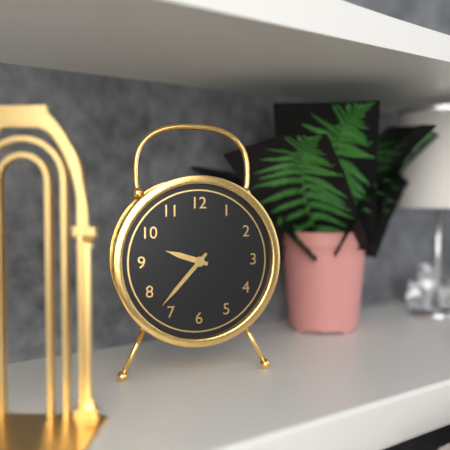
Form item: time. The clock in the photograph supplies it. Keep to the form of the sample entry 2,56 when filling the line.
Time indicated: 9,37
